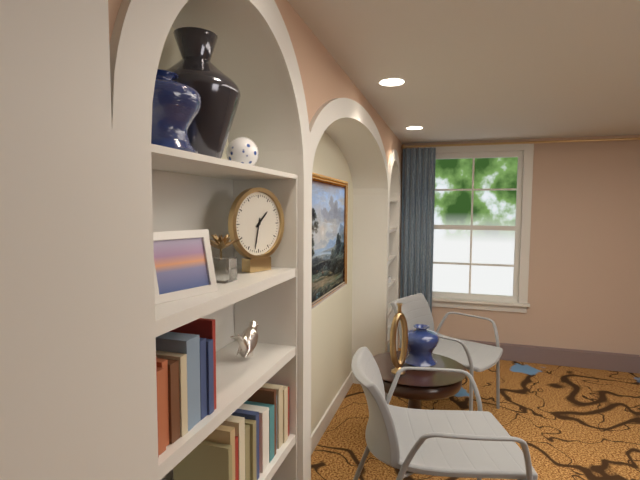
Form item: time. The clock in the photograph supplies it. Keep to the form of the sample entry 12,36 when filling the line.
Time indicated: 1,32
